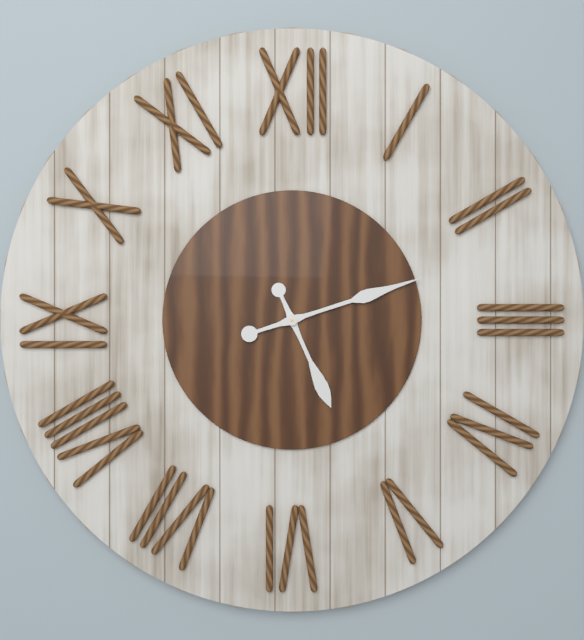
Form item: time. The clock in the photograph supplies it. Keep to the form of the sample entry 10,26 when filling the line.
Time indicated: 5,12
